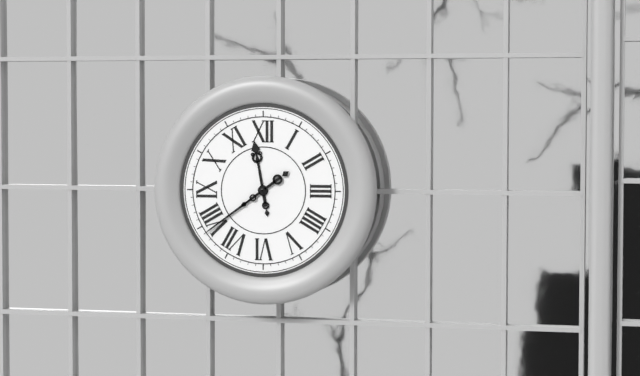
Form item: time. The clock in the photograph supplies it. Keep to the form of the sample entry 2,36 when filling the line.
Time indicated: 11,39
